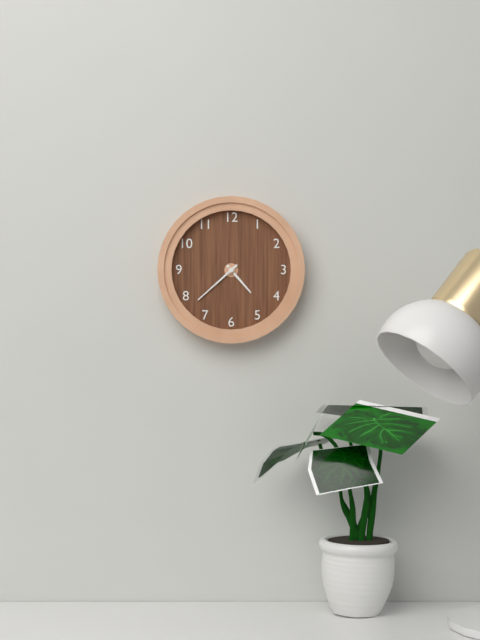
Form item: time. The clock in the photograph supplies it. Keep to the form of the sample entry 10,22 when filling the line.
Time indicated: 4,38
